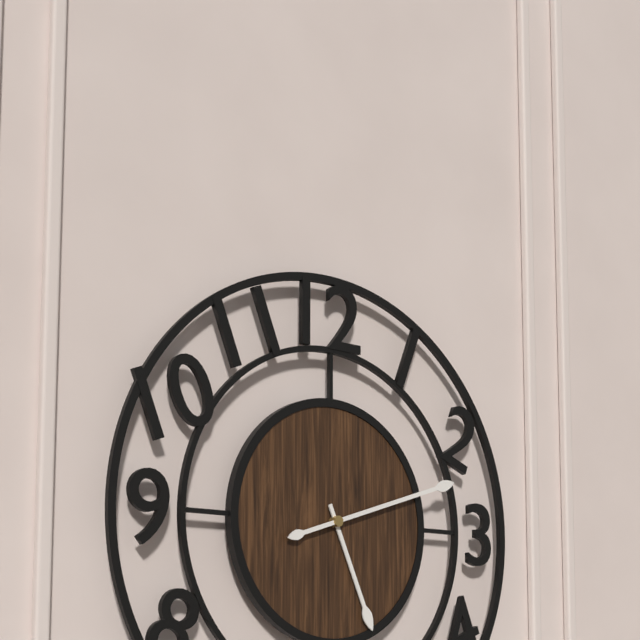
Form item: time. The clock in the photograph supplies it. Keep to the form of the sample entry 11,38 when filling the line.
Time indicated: 5,12
